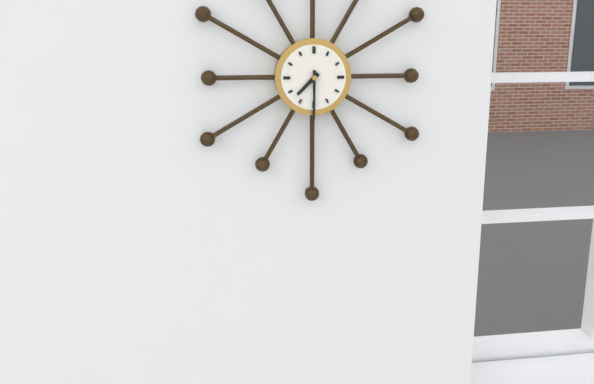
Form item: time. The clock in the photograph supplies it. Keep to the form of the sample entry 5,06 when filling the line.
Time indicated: 7,30
